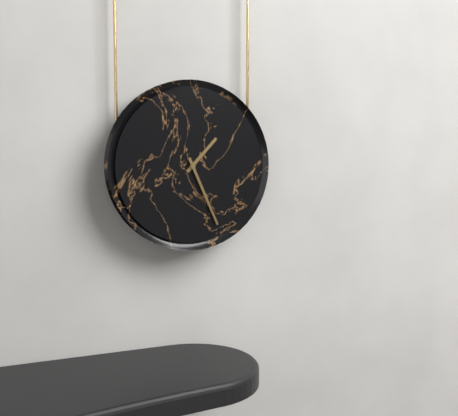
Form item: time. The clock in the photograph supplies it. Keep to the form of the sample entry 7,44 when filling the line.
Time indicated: 1,26
